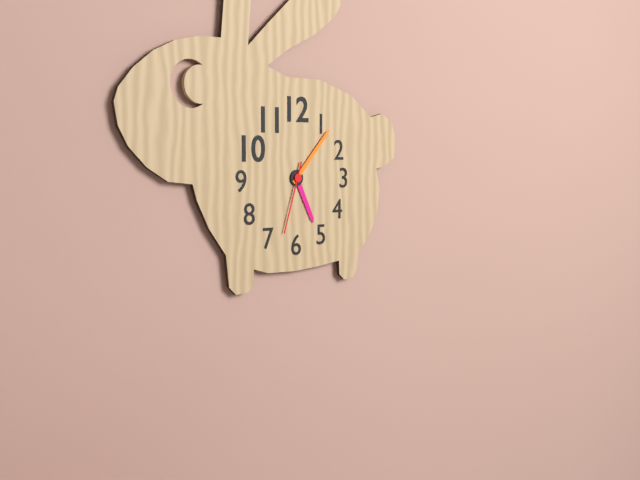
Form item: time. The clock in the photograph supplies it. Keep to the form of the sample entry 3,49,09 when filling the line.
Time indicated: 5,07,33
